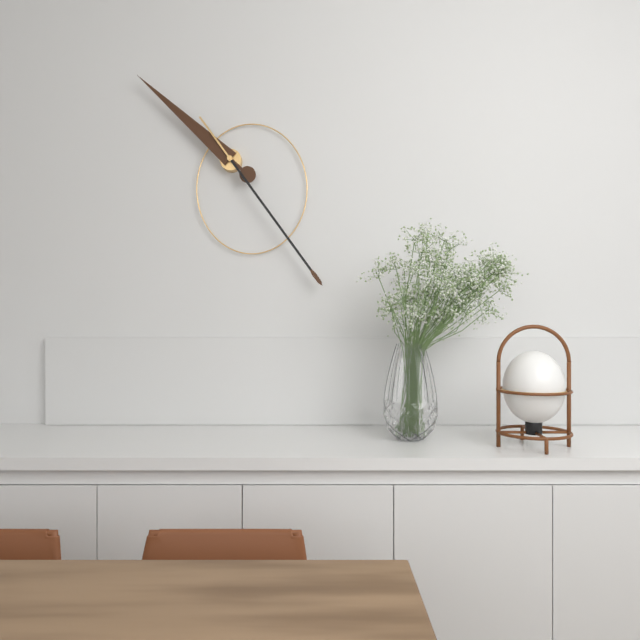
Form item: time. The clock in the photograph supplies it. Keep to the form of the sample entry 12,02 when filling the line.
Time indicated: 10,24
